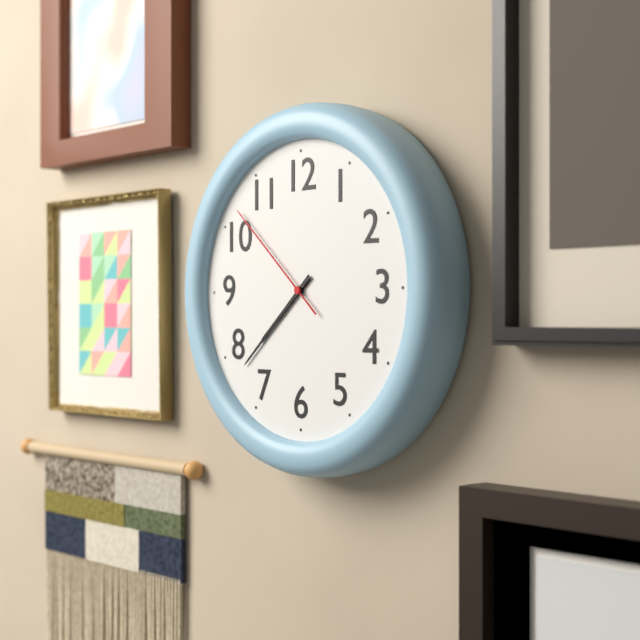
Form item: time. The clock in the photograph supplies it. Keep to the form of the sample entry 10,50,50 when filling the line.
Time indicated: 7,38,52
